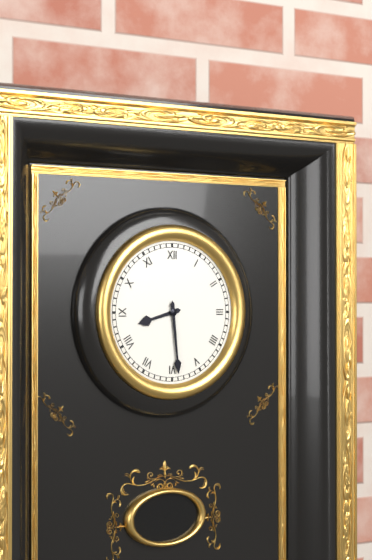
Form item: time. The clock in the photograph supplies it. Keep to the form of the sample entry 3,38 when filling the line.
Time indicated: 8,29
